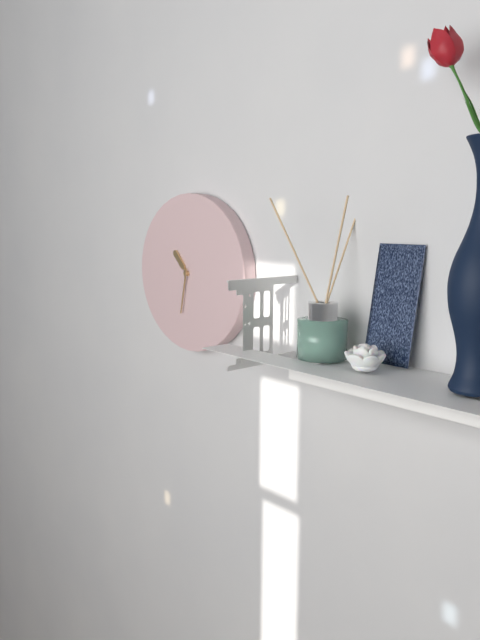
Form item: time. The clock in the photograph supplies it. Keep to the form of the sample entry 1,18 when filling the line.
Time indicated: 10,32
